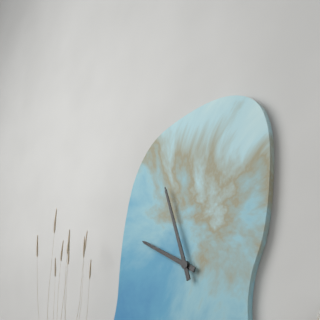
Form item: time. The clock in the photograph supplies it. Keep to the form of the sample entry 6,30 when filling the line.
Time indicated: 9,57
